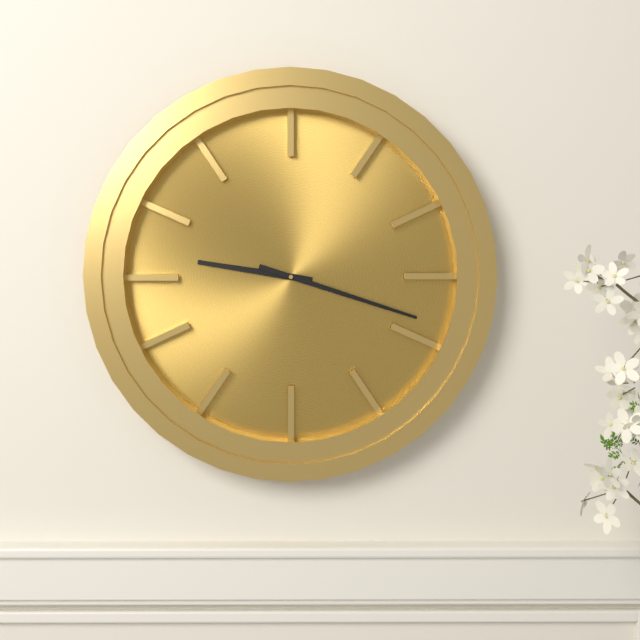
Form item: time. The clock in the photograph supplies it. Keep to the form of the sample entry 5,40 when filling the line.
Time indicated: 9,18
